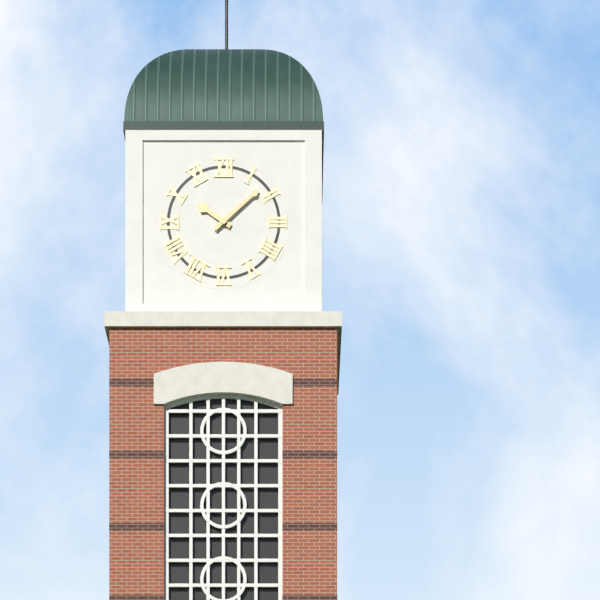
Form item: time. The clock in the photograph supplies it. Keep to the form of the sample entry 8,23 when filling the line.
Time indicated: 10,08
